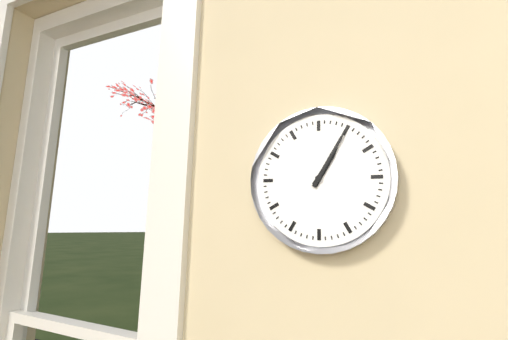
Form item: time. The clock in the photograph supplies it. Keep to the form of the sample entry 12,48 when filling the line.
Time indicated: 1,05
